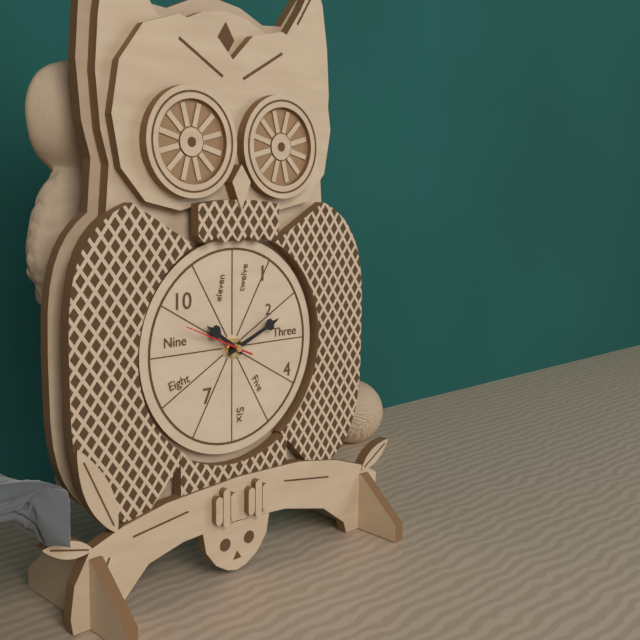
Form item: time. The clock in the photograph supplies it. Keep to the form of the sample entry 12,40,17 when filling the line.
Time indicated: 10,11,49
